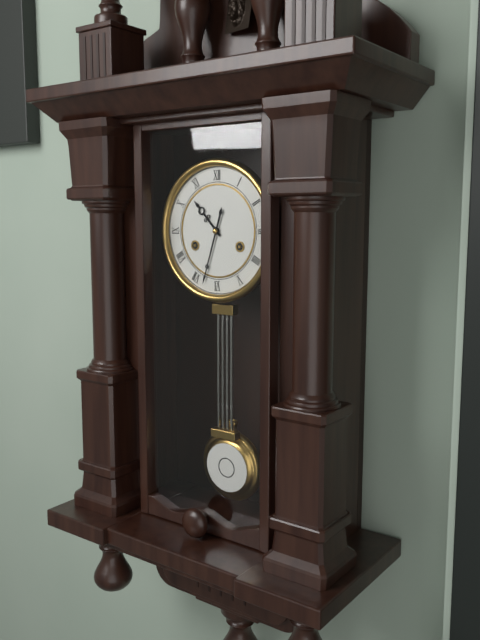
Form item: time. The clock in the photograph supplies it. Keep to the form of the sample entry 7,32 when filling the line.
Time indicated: 10,33
